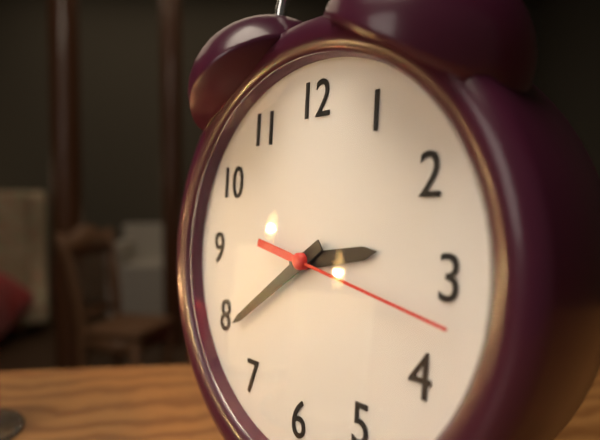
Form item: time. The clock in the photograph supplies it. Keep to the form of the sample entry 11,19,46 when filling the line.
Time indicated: 2,39,17
